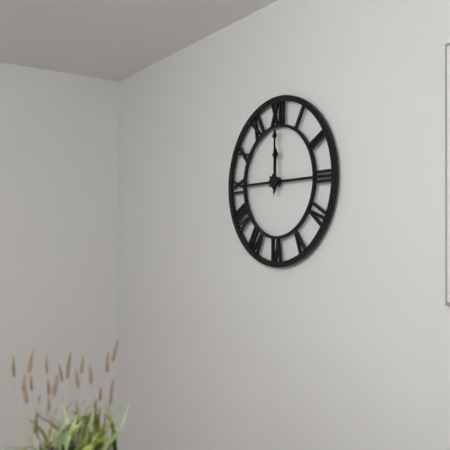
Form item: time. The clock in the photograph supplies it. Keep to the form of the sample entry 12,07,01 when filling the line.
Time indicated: 12,00,00
